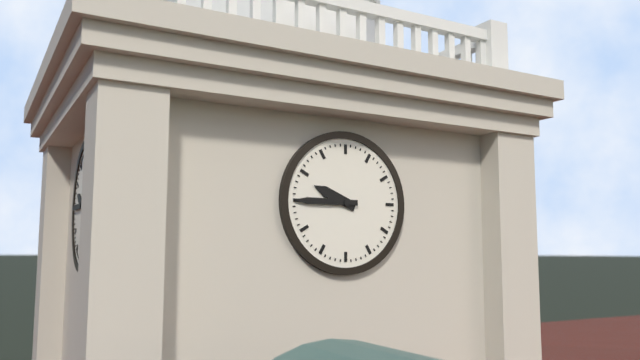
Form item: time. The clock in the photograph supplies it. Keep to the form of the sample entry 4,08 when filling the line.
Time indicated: 9,45
